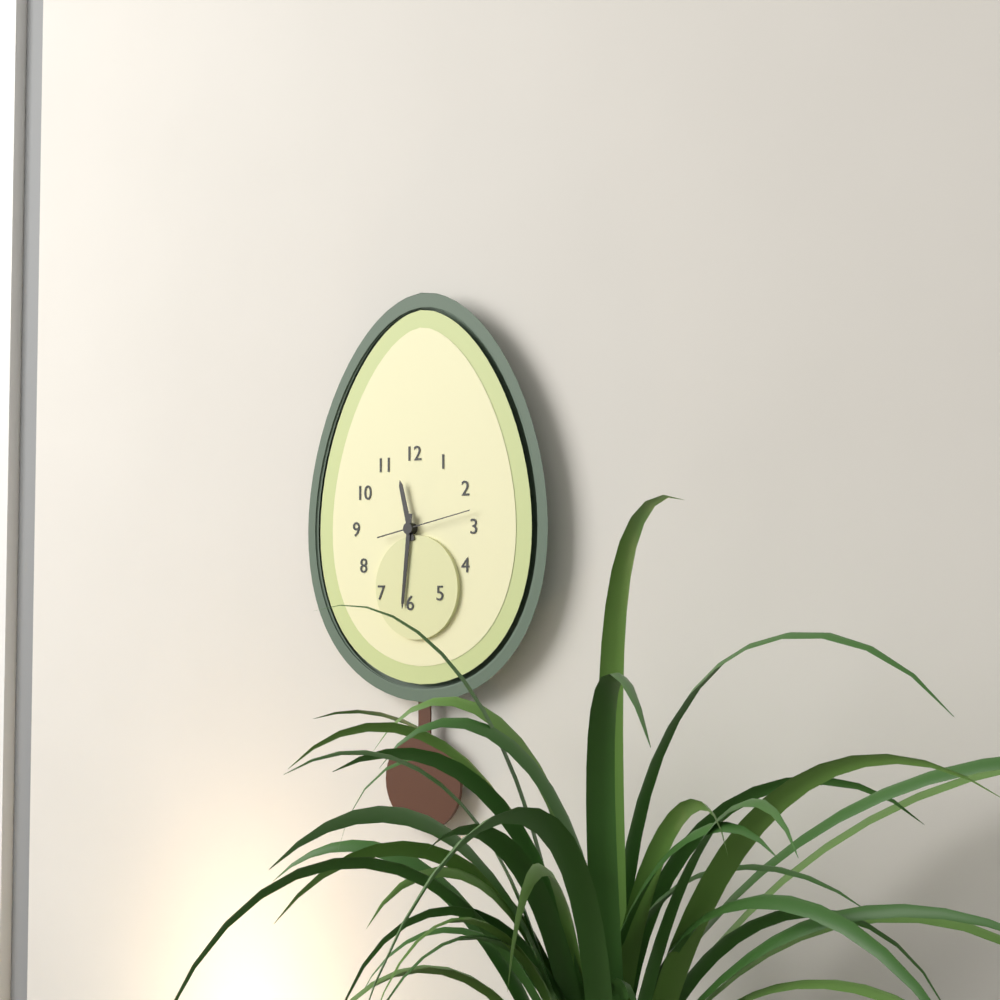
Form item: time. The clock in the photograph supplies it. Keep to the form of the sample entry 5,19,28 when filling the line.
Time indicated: 11,31,13
